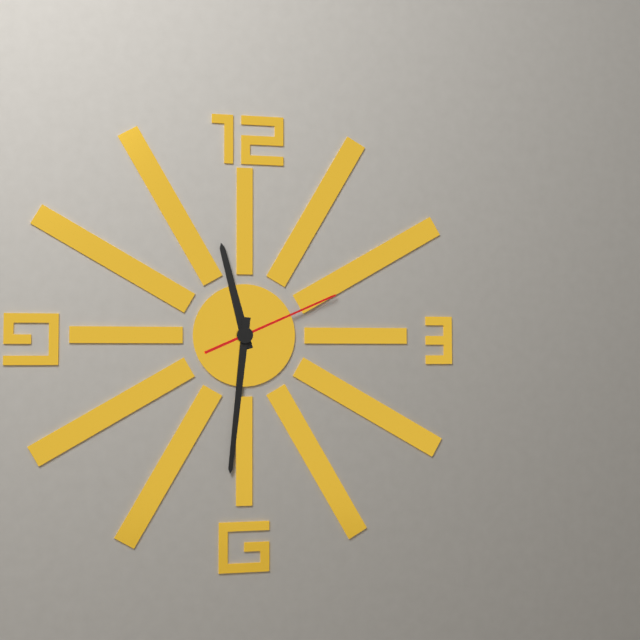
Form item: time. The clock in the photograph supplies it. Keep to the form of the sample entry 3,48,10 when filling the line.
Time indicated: 11,31,11
